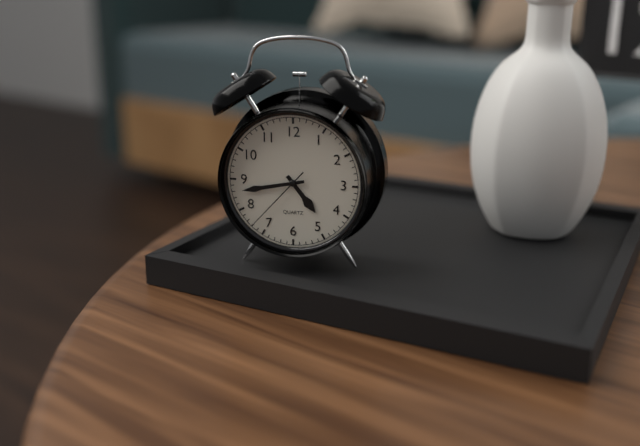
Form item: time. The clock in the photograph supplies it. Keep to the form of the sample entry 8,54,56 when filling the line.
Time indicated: 4,43,37
